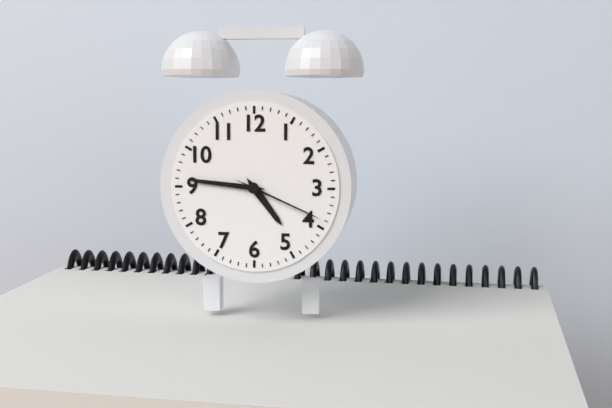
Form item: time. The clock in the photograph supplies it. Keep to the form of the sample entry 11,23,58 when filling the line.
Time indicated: 4,46,19
